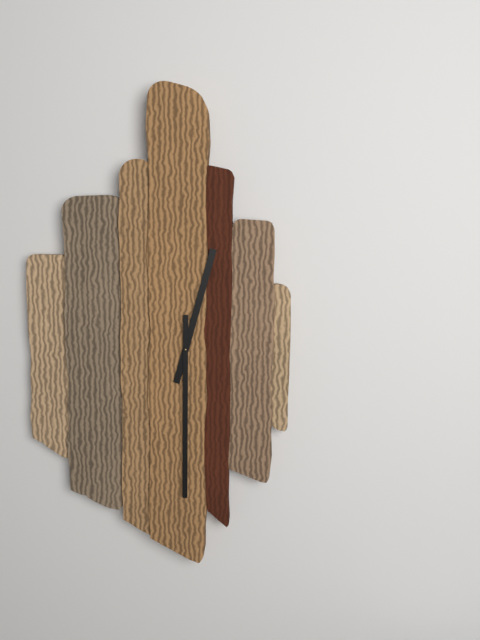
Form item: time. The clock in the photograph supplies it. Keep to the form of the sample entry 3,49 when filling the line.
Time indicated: 12,30
